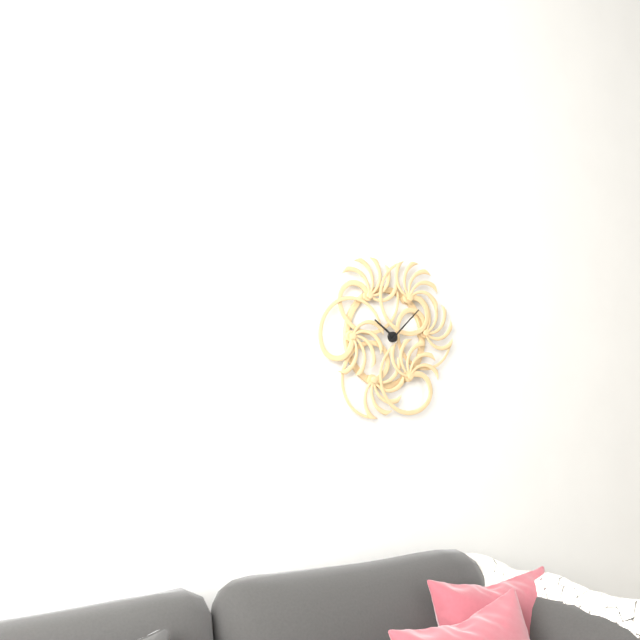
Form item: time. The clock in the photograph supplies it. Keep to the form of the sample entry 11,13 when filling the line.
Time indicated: 10,08
